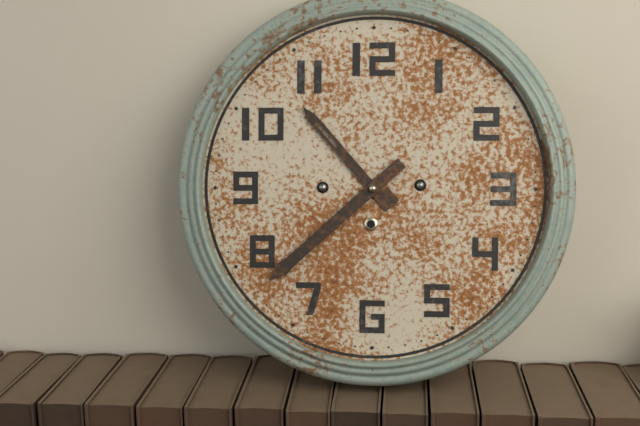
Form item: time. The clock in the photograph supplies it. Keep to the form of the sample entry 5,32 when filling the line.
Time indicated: 10,38
